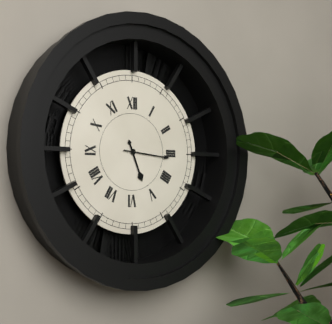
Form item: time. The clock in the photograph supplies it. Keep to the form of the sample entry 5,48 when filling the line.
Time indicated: 5,16
